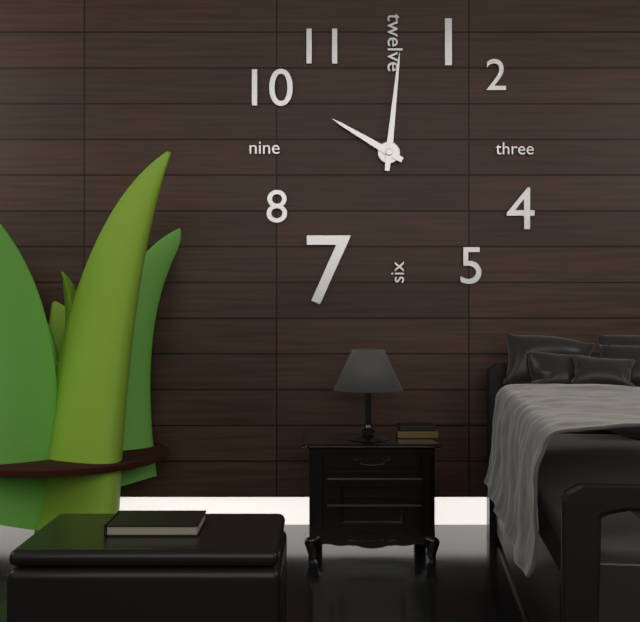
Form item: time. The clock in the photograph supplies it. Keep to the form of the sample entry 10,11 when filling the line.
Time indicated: 10,01
